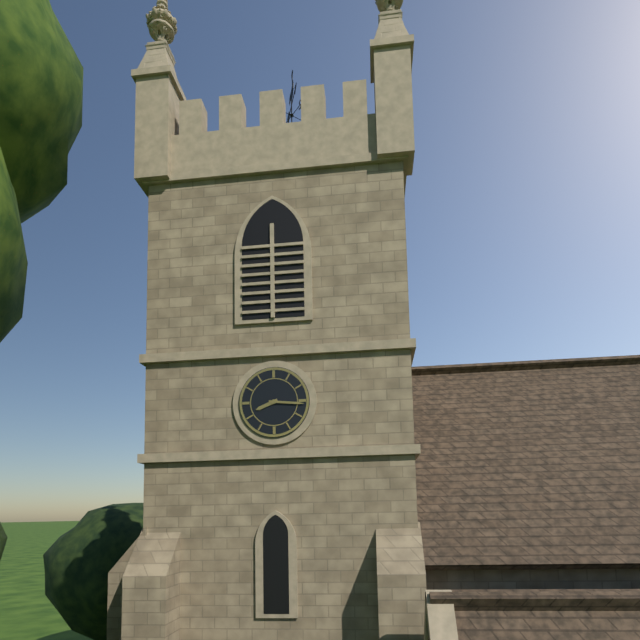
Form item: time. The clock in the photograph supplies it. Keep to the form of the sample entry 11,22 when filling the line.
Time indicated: 8,16
